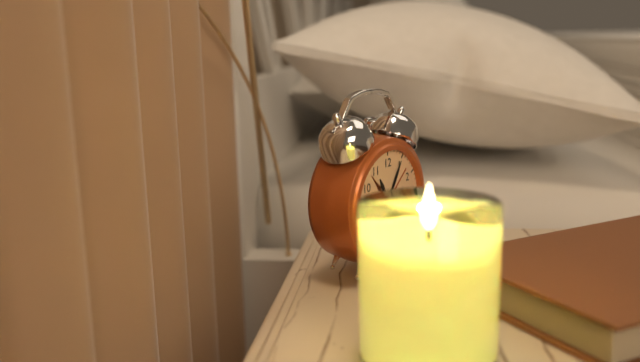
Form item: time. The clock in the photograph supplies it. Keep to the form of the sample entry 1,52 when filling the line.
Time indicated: 11,05
